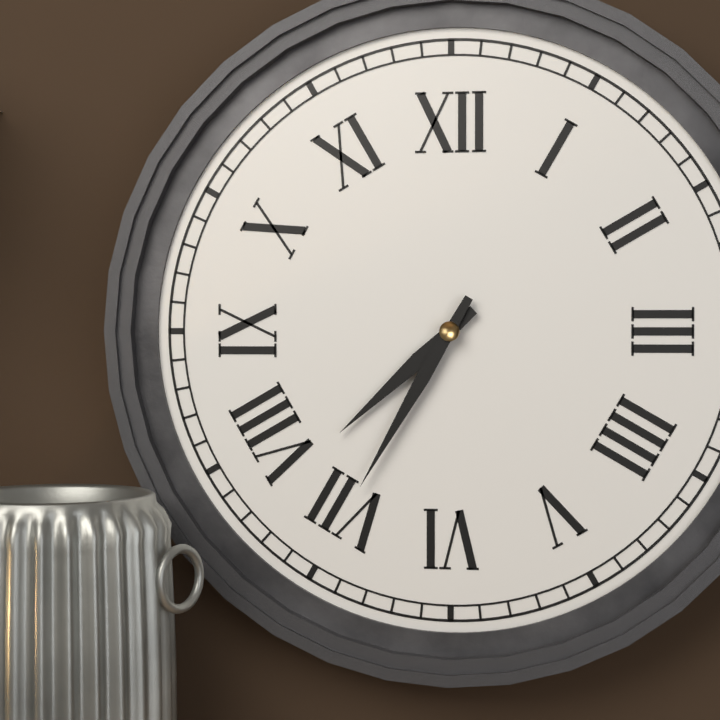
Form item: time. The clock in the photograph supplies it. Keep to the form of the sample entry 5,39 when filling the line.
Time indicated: 7,35
